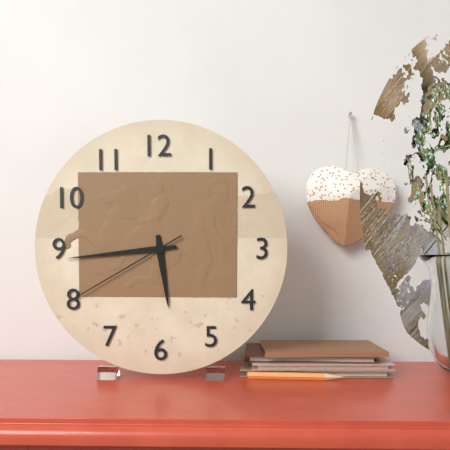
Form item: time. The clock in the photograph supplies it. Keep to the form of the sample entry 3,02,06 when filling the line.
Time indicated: 5,44,40
